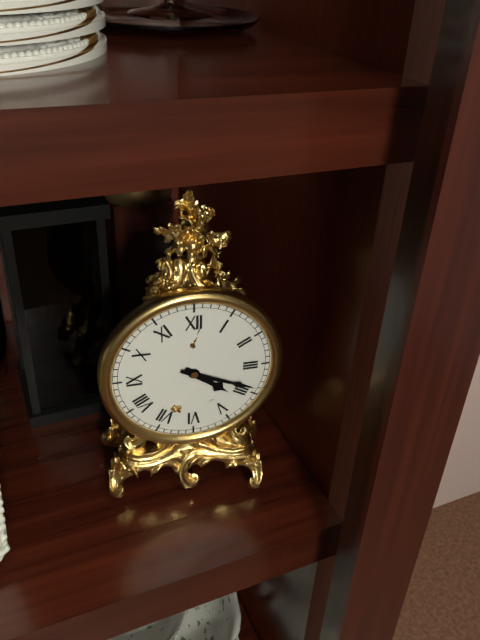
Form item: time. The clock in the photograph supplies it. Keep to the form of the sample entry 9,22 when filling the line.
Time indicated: 4,19
